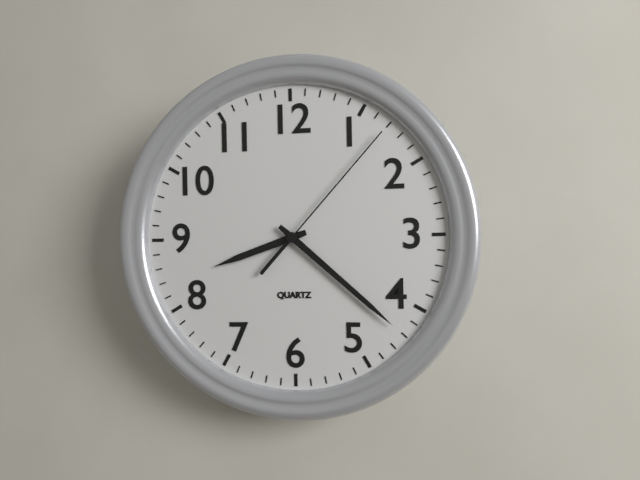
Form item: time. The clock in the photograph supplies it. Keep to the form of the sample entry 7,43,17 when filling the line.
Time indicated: 8,22,07
